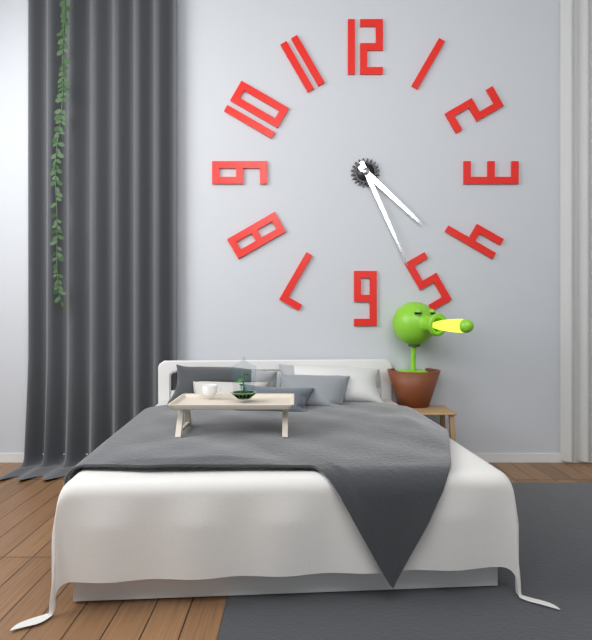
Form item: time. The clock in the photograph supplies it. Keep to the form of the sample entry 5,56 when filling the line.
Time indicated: 4,26
